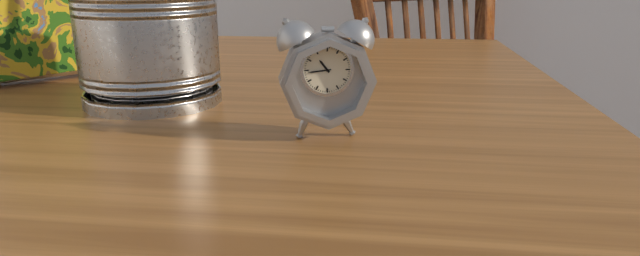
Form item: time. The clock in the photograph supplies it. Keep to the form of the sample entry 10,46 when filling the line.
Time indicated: 10,44
